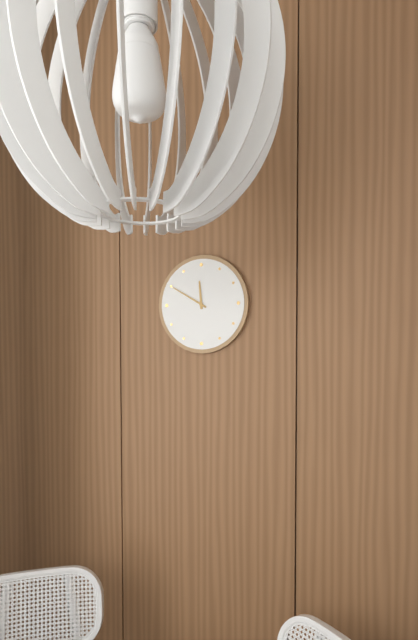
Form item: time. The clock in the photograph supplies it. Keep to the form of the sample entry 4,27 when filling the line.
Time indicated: 11,50
